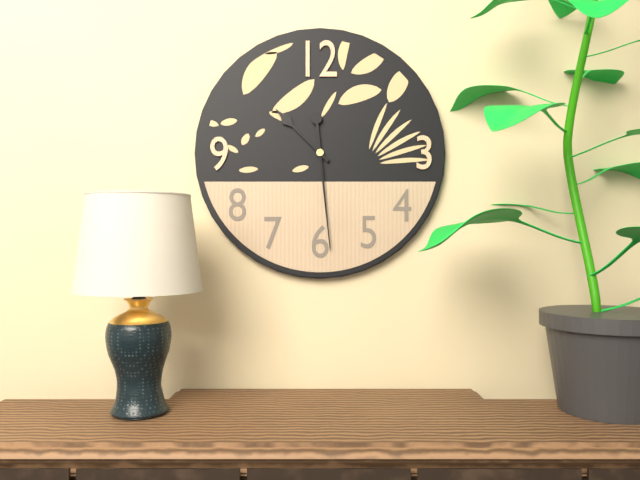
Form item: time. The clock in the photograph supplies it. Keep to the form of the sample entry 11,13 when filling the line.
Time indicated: 10,29
